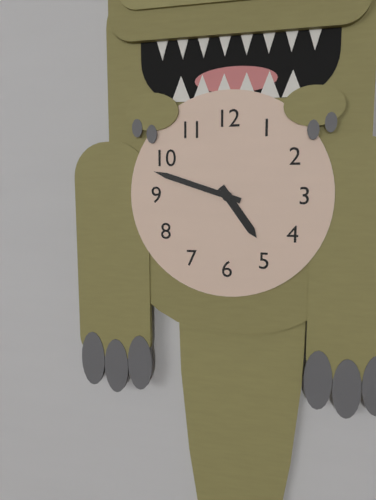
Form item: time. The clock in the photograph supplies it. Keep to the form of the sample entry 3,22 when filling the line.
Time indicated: 4,48
